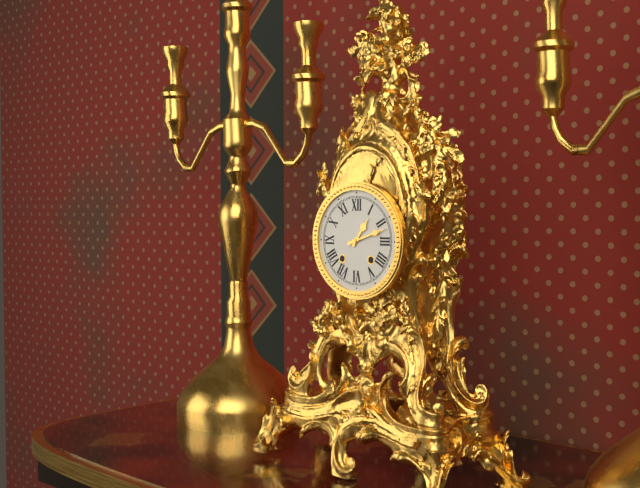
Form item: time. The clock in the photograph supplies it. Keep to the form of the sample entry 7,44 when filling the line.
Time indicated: 1,12
